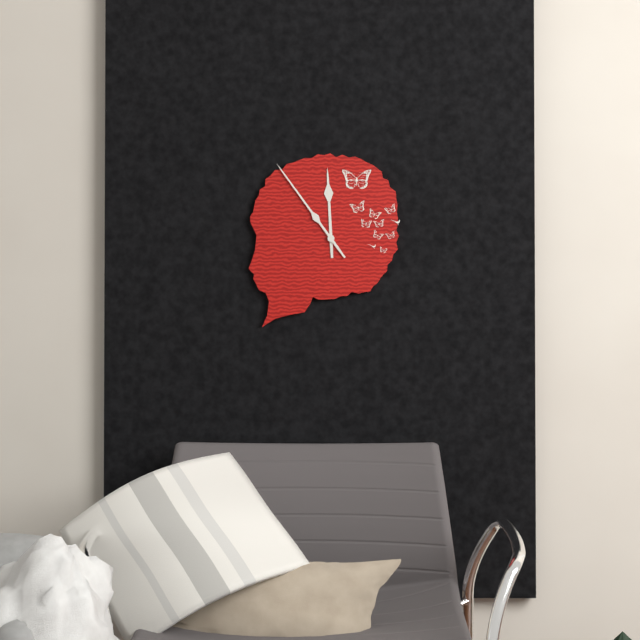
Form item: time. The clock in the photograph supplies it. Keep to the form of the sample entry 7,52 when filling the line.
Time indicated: 11,54
